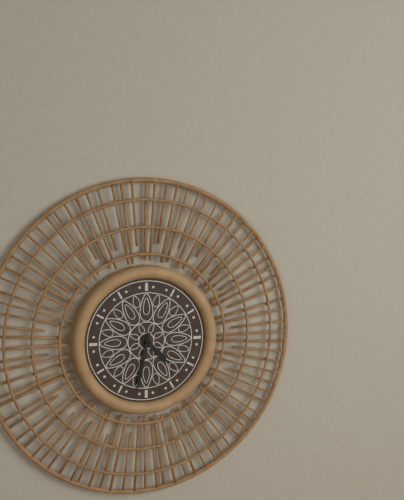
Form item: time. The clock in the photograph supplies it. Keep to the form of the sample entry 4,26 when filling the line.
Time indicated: 4,32
